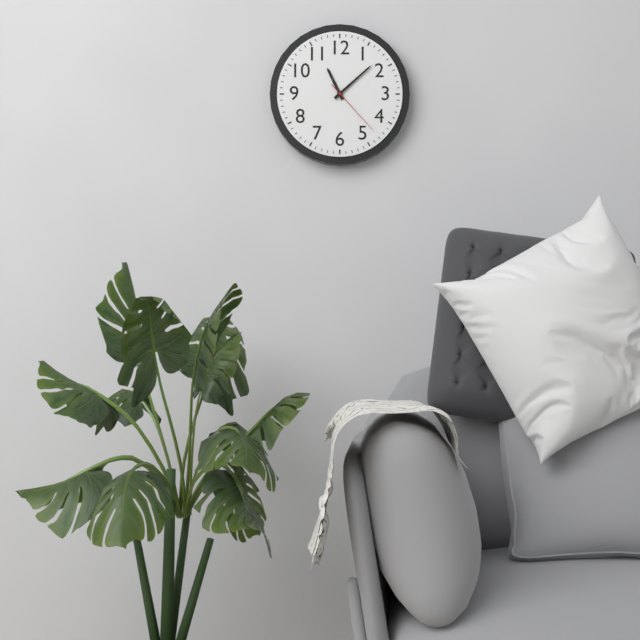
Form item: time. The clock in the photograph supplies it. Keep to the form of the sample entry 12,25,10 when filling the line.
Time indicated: 11,08,23
